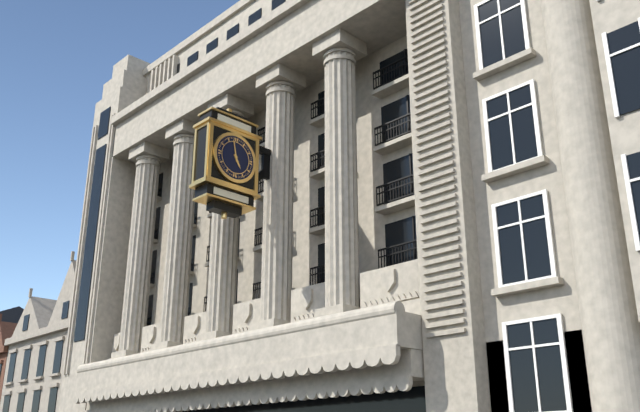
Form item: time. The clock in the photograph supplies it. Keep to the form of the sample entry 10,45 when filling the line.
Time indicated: 4,58
